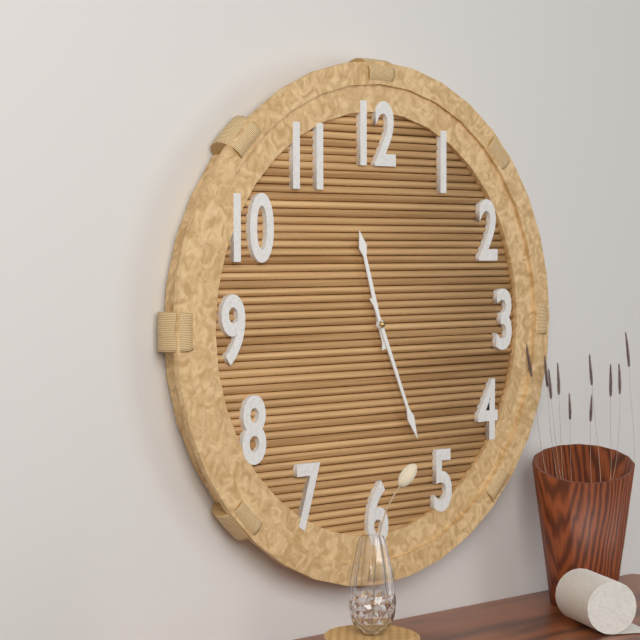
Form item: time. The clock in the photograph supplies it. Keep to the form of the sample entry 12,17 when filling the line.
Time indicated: 11,26
